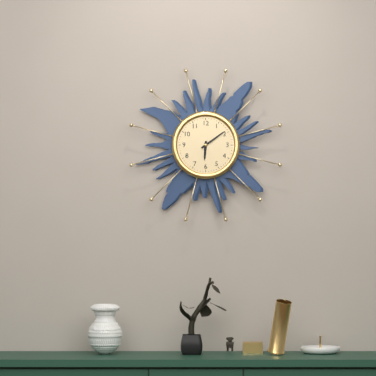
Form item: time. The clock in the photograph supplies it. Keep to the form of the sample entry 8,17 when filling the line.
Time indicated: 6,09
